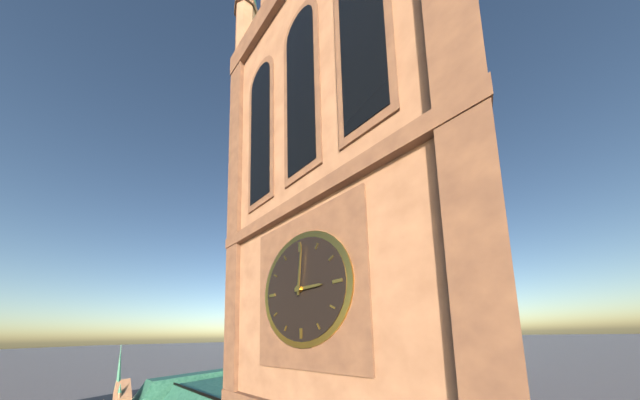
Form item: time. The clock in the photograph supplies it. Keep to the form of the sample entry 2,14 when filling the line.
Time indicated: 3,01
